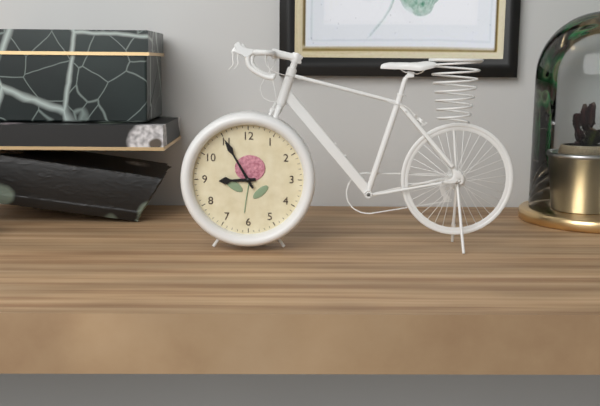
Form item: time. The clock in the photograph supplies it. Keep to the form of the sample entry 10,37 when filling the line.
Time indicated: 8,55
